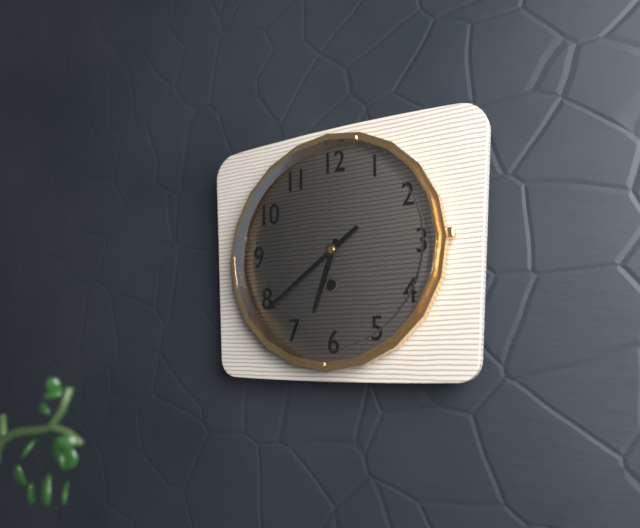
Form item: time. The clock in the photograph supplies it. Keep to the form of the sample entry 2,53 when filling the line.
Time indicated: 6,39
